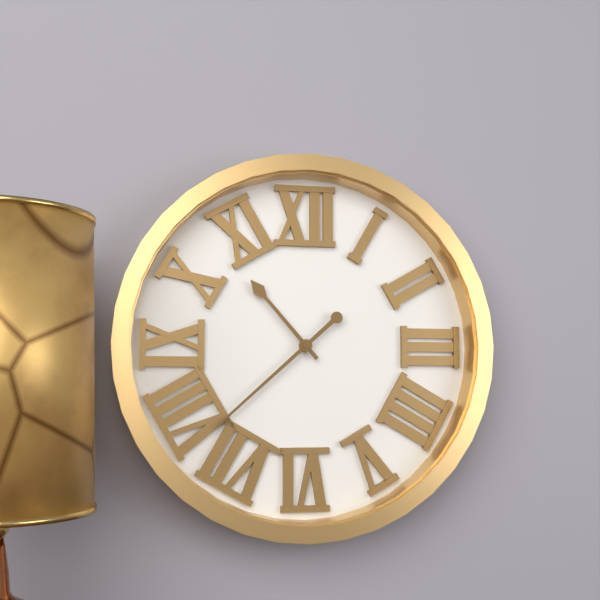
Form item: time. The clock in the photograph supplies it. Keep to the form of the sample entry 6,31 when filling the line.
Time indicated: 10,38
